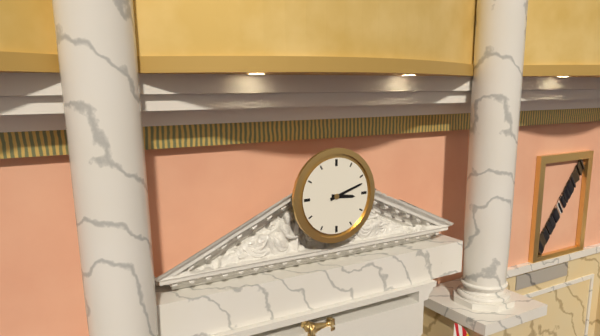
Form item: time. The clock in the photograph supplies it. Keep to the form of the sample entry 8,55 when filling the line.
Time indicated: 3,12
